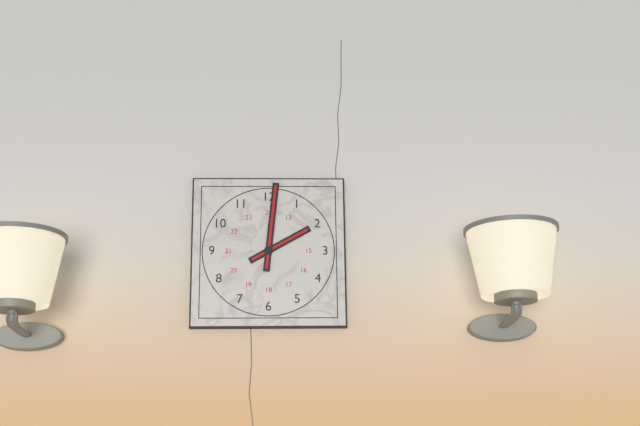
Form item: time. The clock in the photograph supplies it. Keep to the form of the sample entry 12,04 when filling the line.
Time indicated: 2,01
